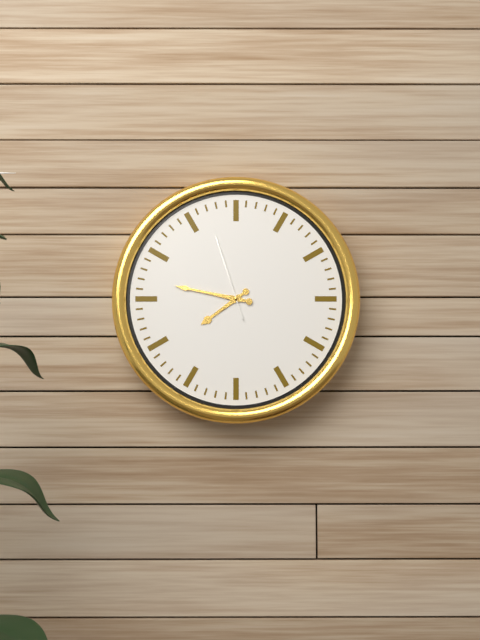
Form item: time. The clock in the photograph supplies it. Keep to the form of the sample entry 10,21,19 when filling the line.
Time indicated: 7,47,57
